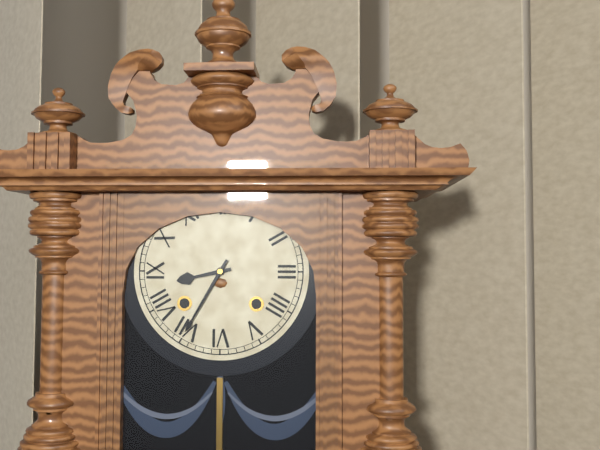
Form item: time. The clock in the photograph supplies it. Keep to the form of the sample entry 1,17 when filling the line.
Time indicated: 8,35
